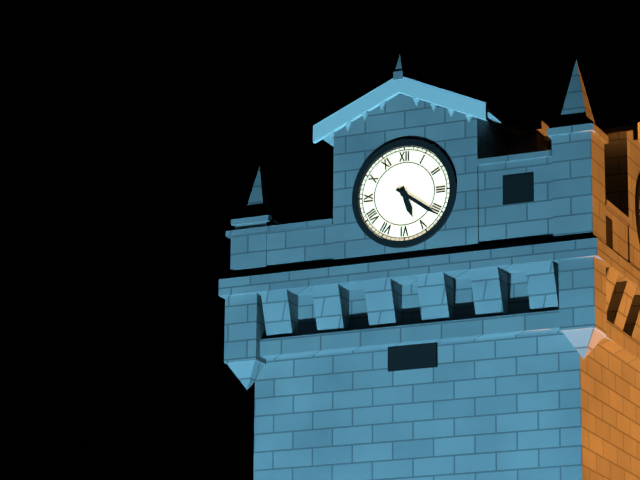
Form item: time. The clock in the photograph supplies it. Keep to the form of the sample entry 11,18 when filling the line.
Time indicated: 5,21
